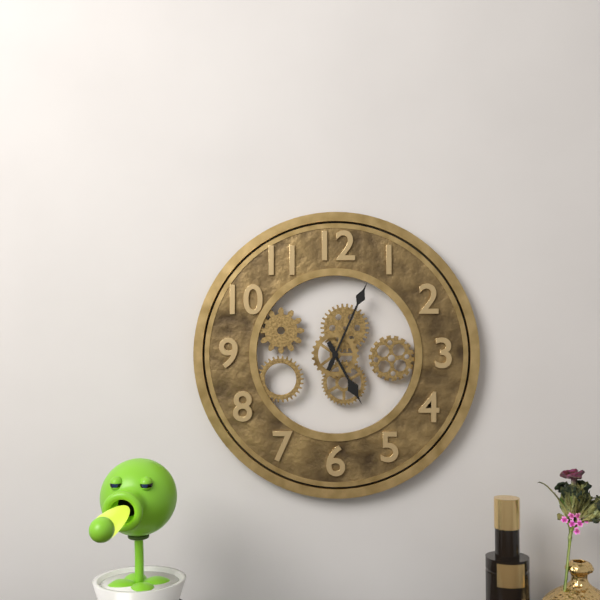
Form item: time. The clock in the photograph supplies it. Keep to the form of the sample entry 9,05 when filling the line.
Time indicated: 5,04
